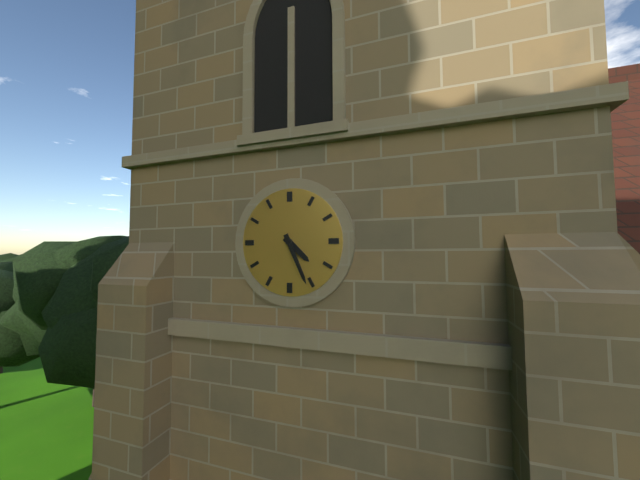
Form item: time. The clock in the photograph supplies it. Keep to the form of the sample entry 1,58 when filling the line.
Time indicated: 4,26
